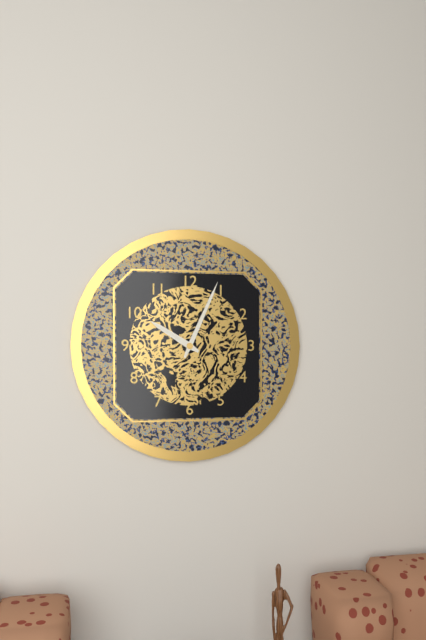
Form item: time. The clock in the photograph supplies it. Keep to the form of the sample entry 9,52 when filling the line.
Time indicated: 10,04
